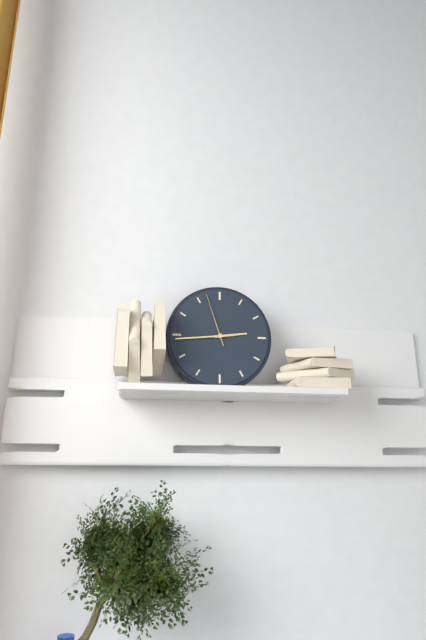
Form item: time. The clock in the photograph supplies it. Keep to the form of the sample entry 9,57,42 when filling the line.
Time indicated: 2,44,57
